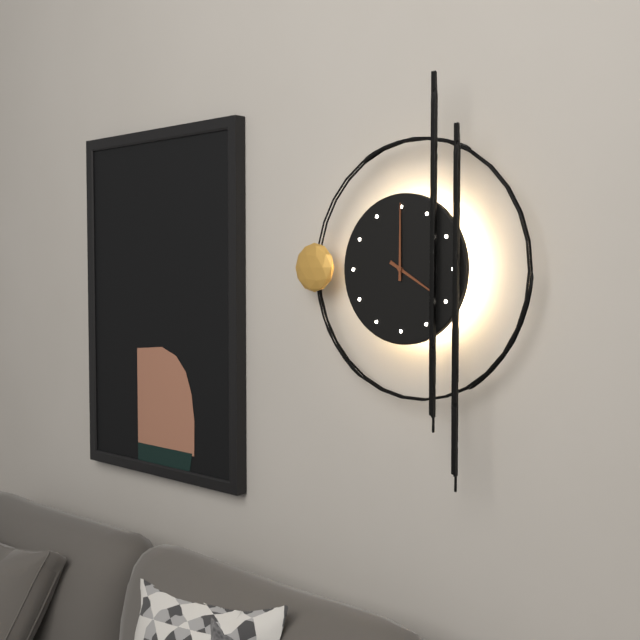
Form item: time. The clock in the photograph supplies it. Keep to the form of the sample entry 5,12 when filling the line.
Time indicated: 4,00
